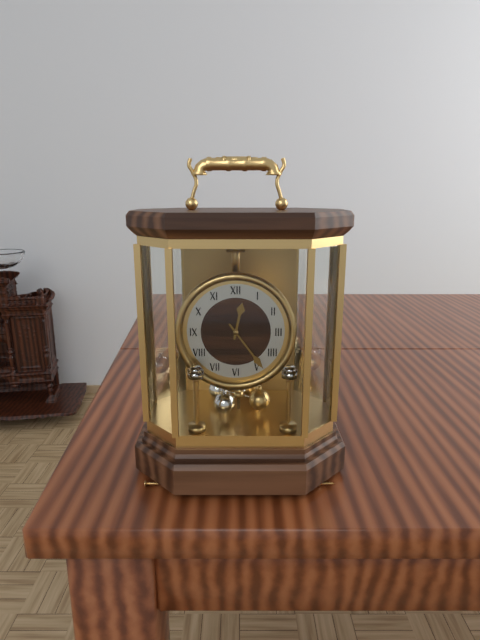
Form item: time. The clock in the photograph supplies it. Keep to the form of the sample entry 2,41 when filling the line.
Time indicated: 12,24
